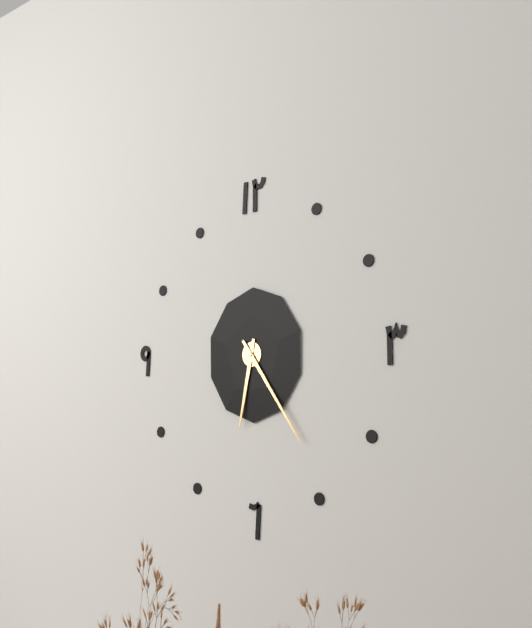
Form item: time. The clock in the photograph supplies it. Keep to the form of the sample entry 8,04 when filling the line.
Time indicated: 6,24
